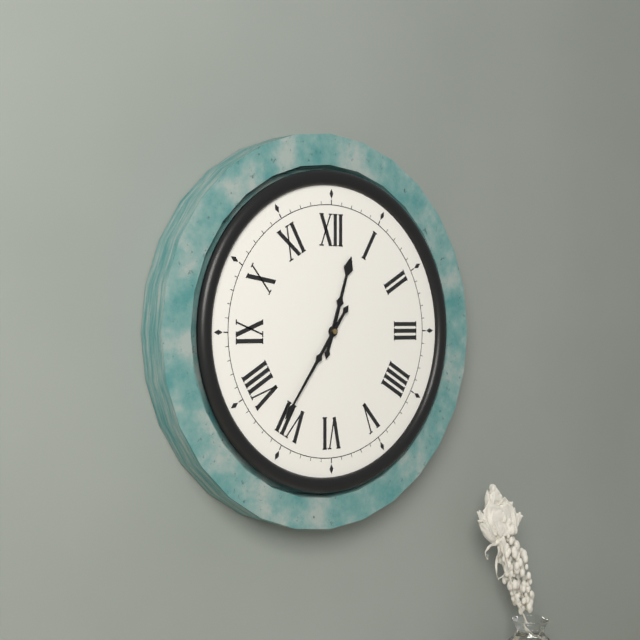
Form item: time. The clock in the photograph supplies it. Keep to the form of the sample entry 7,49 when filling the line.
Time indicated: 12,36
